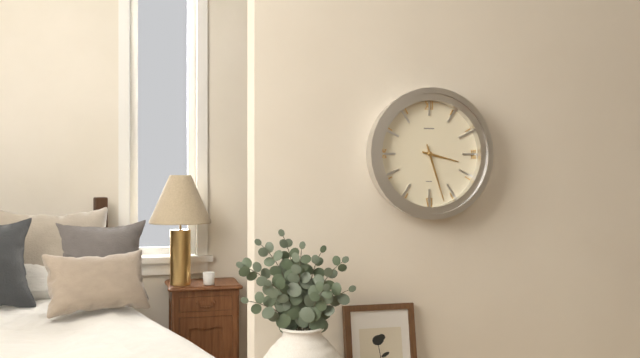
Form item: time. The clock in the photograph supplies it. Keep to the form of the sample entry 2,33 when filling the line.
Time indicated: 3,27
